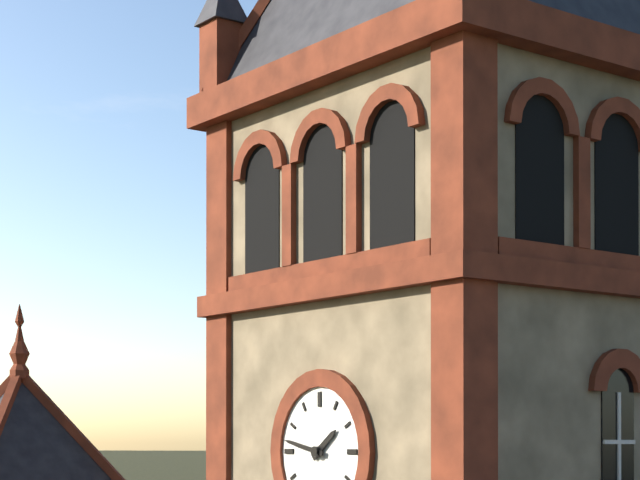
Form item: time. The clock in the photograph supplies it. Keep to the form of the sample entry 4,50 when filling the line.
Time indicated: 1,47
